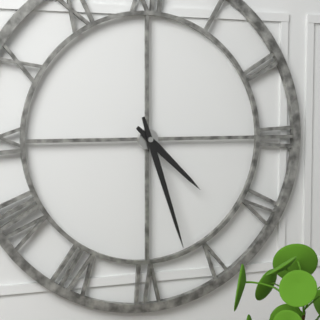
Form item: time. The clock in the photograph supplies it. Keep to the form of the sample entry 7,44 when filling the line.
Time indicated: 4,27
